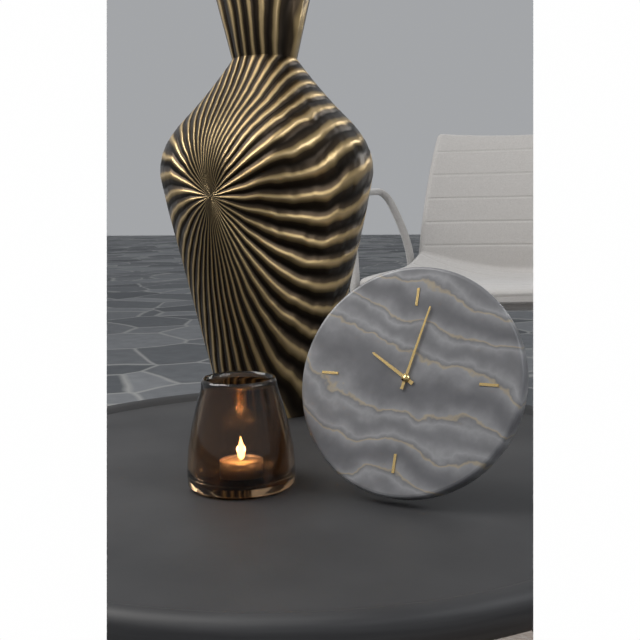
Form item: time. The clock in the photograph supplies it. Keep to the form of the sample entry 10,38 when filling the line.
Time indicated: 10,02
